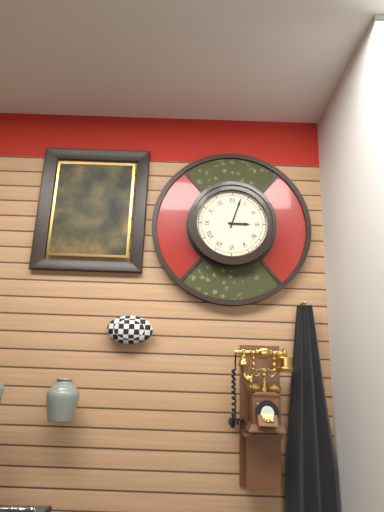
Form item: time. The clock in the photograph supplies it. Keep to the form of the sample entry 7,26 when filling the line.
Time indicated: 3,03
